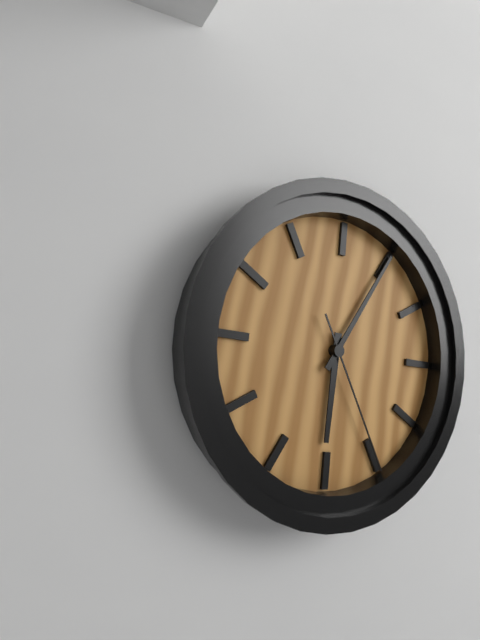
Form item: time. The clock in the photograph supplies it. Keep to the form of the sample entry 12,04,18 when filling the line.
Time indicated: 6,05,25
